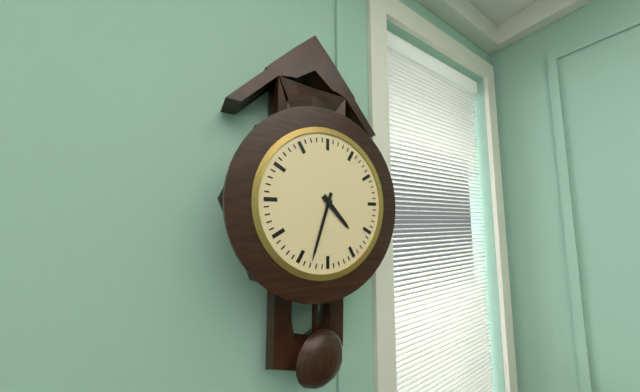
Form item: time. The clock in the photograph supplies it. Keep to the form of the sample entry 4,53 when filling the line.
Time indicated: 4,33
